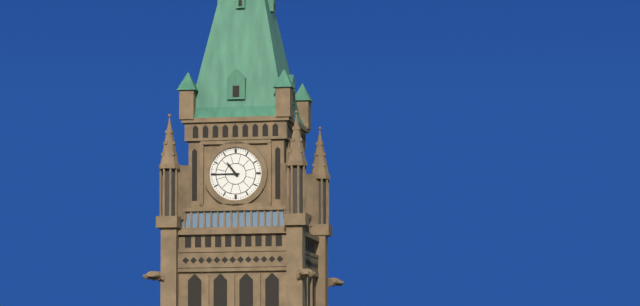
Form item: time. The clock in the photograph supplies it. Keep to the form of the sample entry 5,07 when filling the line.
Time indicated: 10,45
